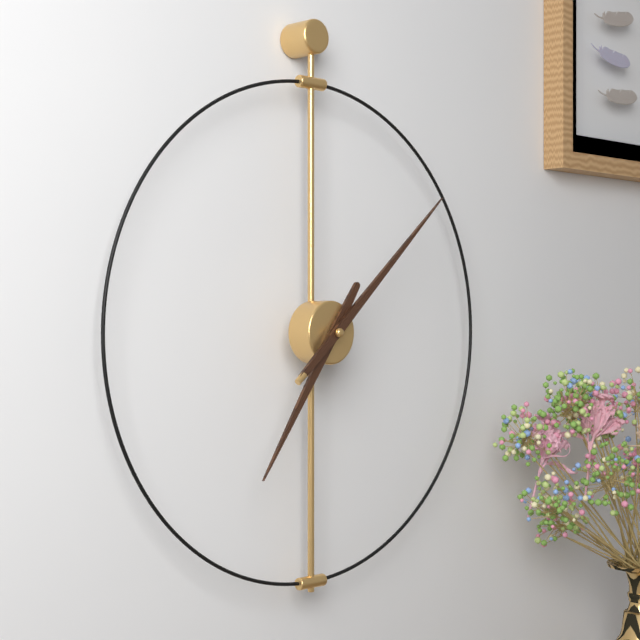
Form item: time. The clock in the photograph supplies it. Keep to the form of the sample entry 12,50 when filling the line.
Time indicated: 7,08
